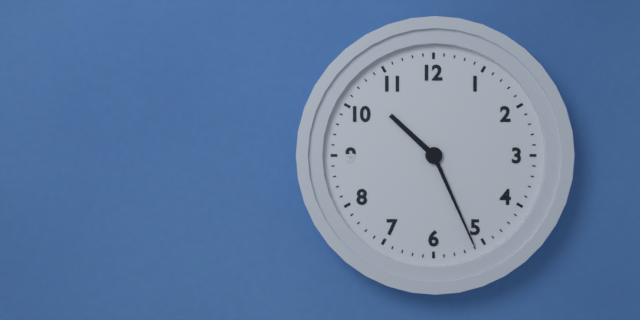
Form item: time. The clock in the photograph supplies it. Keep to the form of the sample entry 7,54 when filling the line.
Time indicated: 10,26
